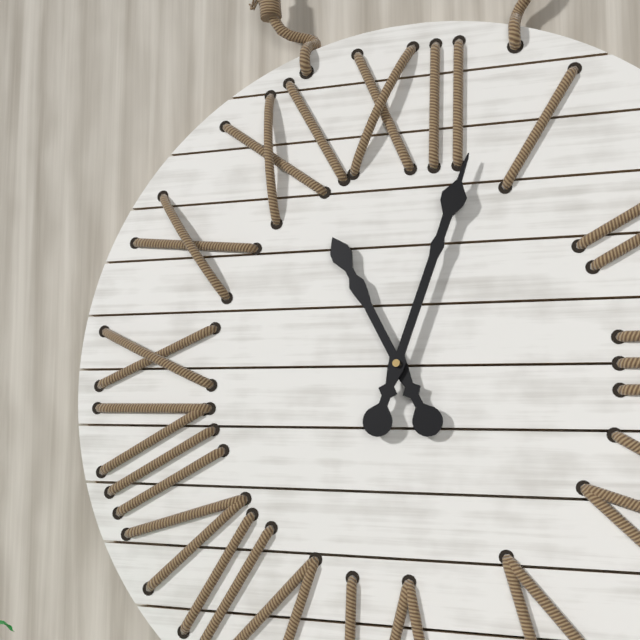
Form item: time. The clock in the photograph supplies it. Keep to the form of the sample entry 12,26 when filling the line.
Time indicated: 11,03
